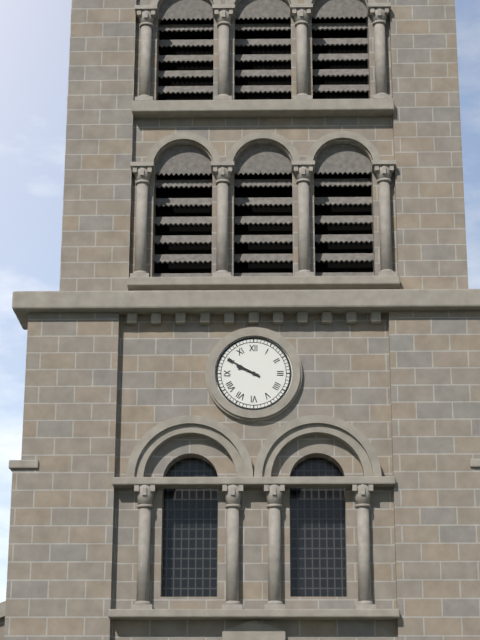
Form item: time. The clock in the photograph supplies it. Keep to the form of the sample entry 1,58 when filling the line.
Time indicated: 9,50
